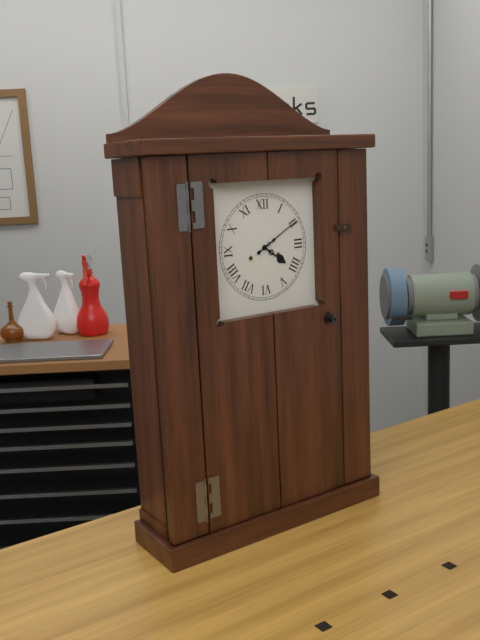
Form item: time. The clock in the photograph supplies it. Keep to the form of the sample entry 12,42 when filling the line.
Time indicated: 4,10
